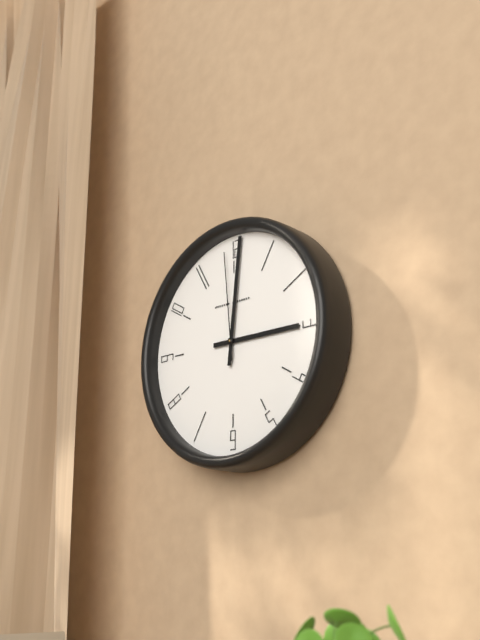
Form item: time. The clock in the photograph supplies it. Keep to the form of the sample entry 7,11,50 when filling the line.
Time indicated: 3,01,59
